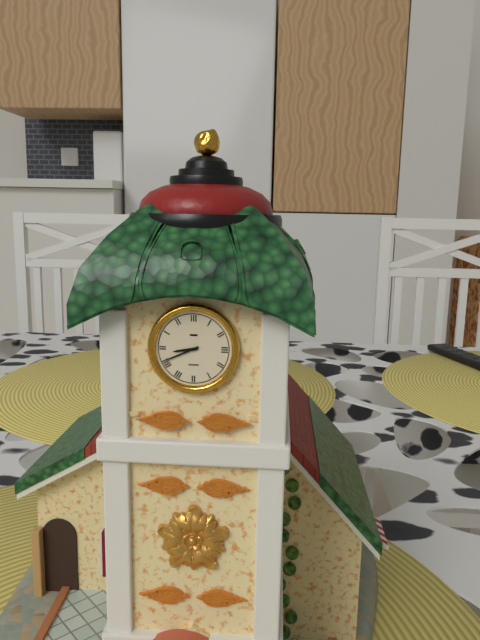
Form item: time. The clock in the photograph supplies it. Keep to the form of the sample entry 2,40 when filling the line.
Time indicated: 8,41
